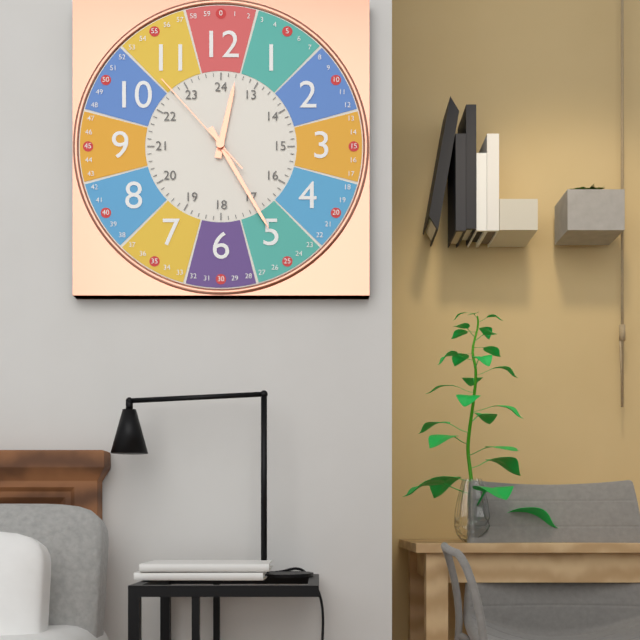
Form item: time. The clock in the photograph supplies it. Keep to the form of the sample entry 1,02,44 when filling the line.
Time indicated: 12,25,53
